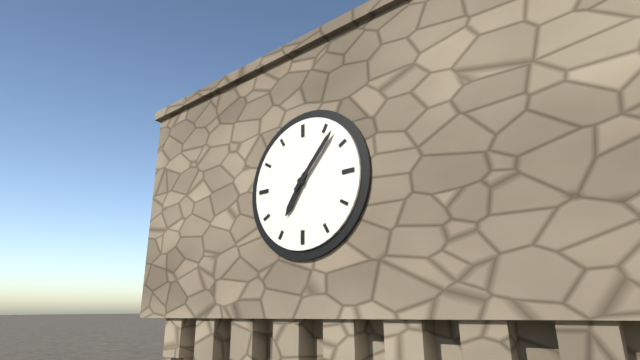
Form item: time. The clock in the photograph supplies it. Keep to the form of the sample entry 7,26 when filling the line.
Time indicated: 7,07
